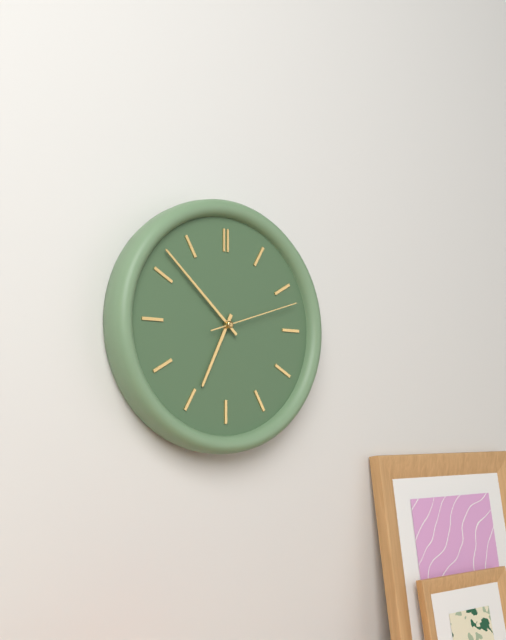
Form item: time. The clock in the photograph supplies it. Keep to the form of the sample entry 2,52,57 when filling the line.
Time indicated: 6,52,12
